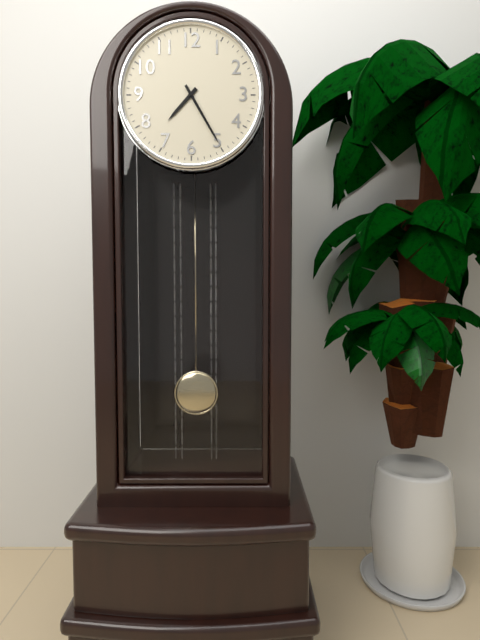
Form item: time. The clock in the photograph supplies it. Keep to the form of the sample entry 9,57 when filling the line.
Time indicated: 7,25
